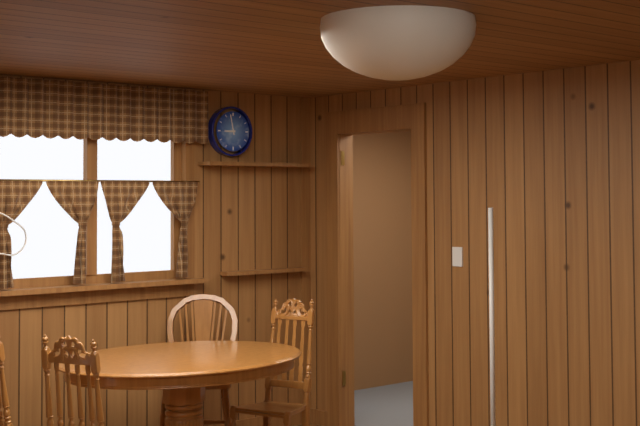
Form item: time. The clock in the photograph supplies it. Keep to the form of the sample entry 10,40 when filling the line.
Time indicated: 8,58
